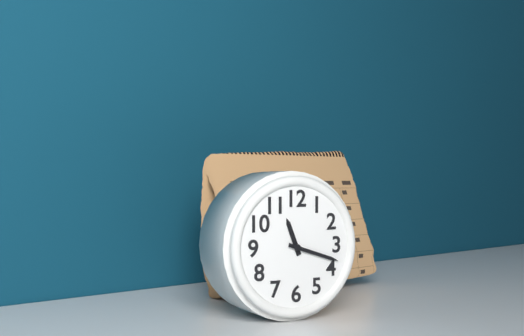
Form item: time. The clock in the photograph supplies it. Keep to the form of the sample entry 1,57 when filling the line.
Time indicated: 11,18
